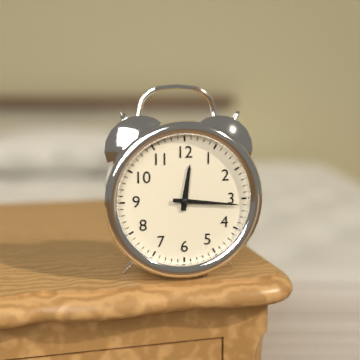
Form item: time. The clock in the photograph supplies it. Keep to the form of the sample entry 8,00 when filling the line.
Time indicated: 12,16
